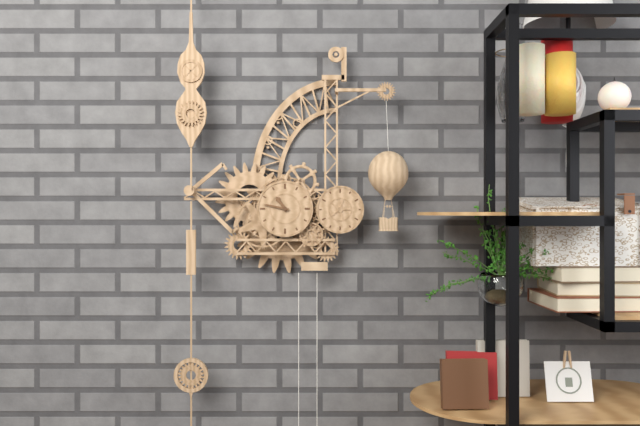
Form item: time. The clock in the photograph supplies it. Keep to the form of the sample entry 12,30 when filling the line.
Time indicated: 10,47
